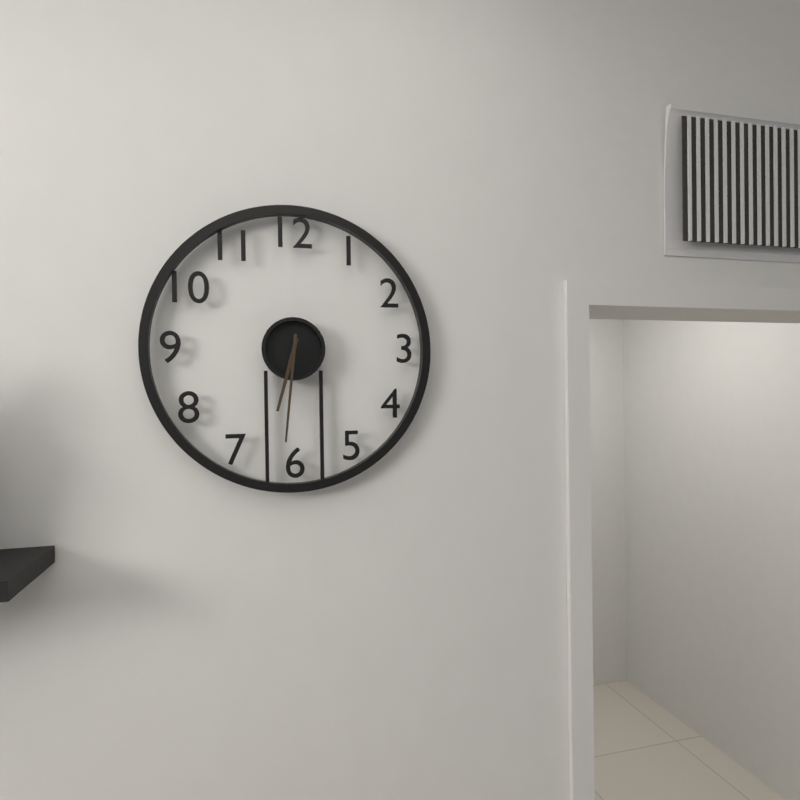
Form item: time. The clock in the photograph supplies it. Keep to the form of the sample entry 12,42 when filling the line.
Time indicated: 6,31
